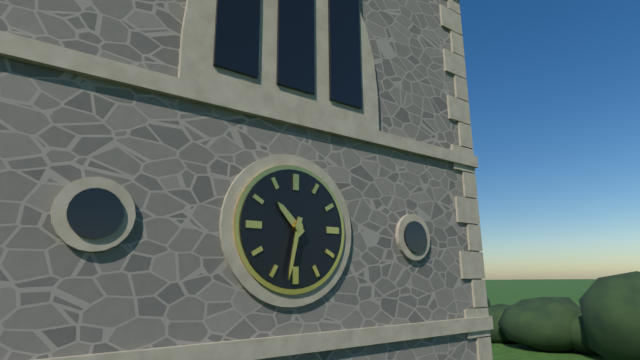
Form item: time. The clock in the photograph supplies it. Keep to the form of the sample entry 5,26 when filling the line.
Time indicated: 10,32
